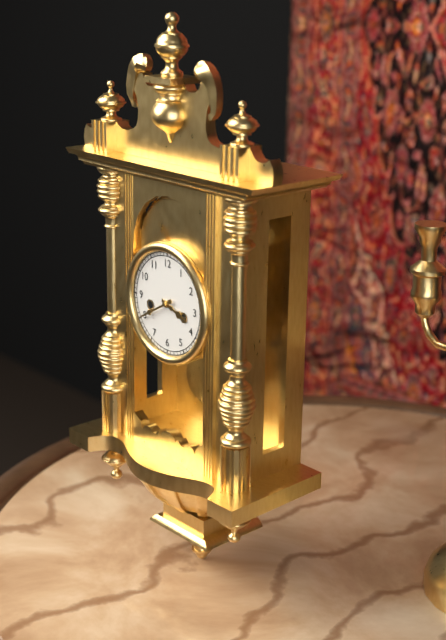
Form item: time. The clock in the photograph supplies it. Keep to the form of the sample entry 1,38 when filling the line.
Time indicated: 3,40
